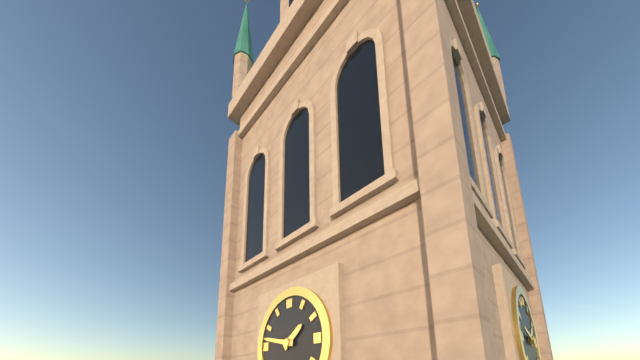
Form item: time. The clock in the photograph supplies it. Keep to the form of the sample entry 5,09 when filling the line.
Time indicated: 1,47
